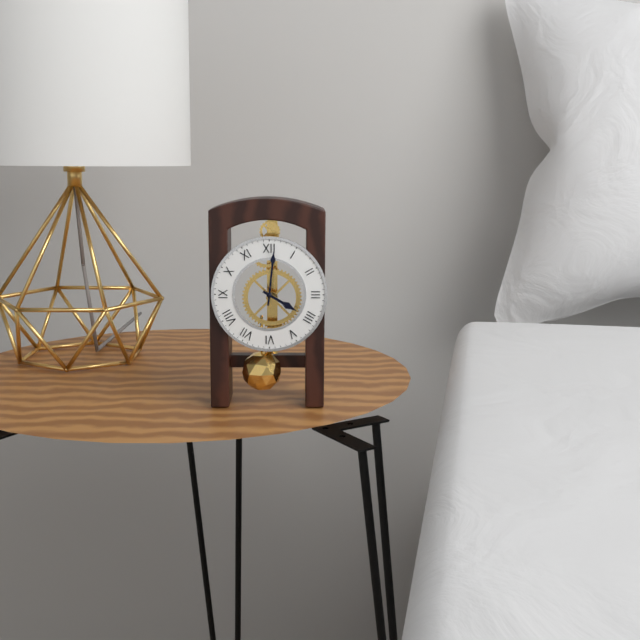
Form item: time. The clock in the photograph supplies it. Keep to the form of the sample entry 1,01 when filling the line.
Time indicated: 4,01
